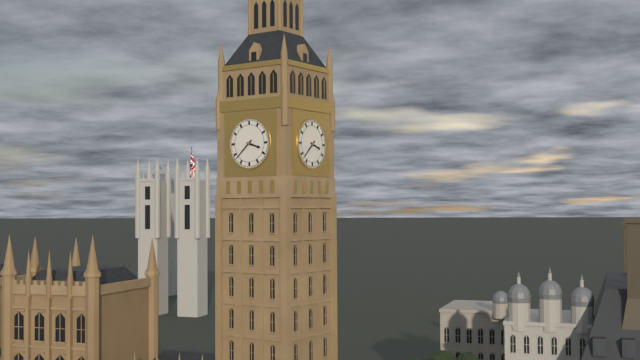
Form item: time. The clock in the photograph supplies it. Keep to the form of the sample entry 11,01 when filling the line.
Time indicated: 3,38
